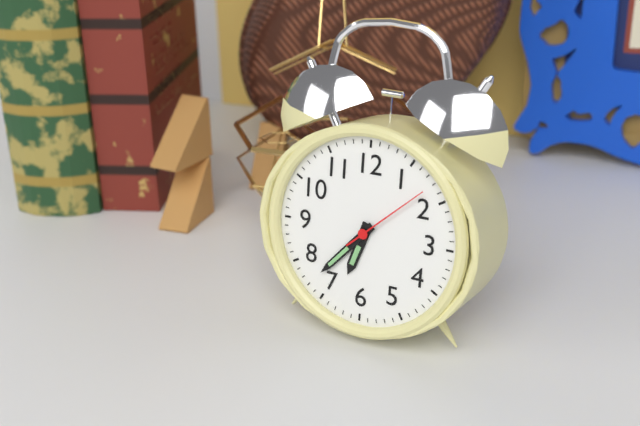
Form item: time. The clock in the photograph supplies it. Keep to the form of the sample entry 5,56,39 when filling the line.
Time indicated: 6,37,08
